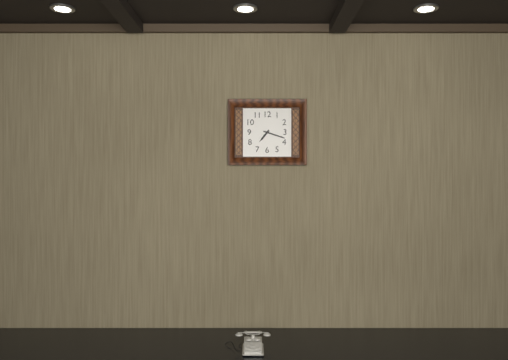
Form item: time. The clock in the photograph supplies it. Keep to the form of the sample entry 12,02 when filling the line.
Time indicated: 7,18
